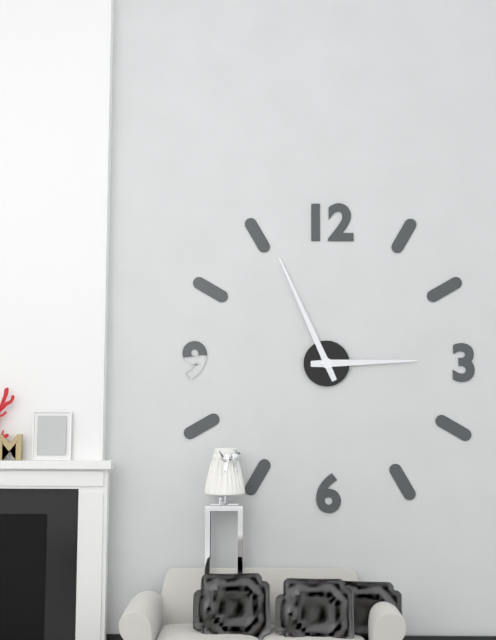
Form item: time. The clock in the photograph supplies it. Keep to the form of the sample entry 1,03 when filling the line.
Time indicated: 2,56
